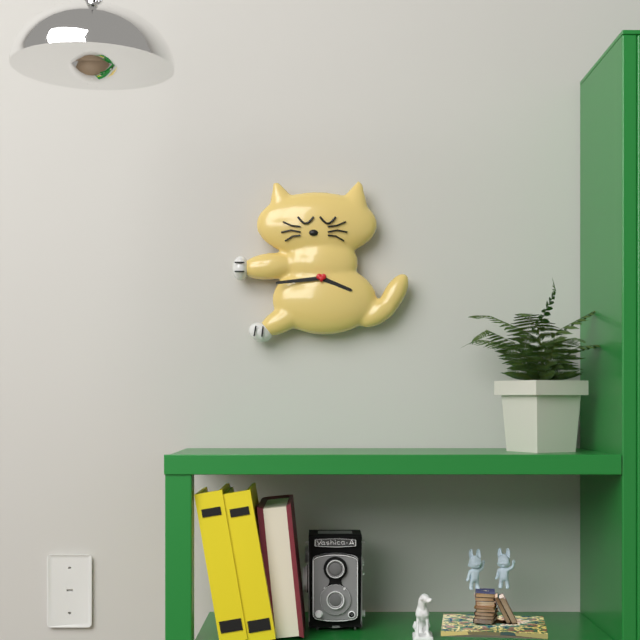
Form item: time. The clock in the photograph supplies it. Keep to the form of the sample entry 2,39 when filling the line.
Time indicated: 3,44
